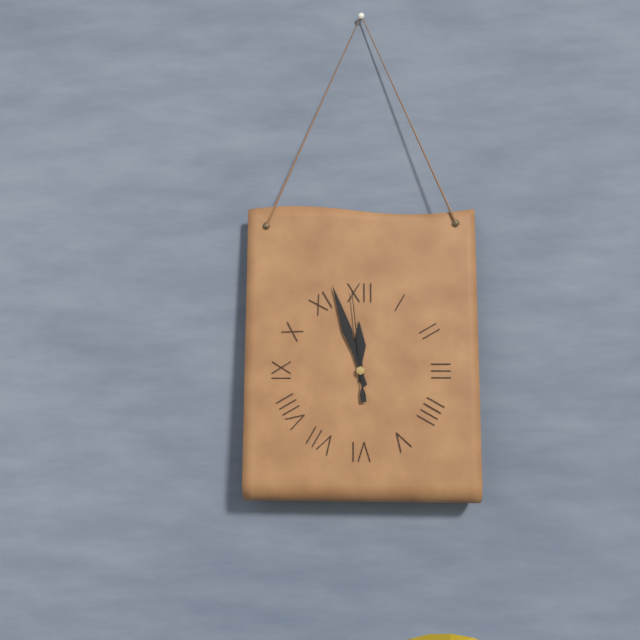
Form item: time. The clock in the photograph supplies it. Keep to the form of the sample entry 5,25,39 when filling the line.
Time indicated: 11,57,59
